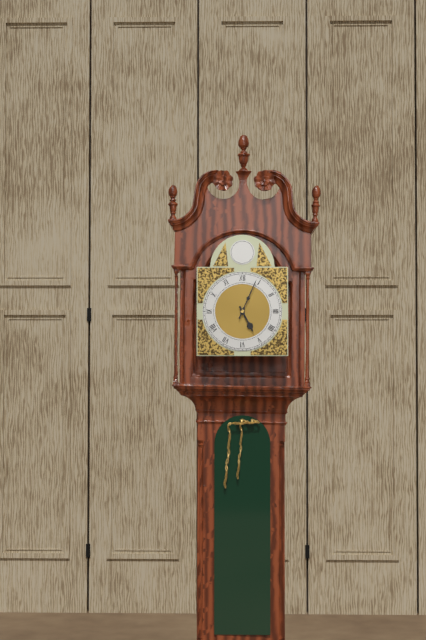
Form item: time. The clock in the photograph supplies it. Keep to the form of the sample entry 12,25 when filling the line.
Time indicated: 5,04
